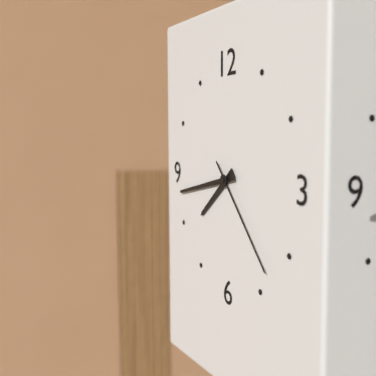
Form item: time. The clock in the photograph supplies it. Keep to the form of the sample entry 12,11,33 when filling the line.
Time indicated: 7,43,23
